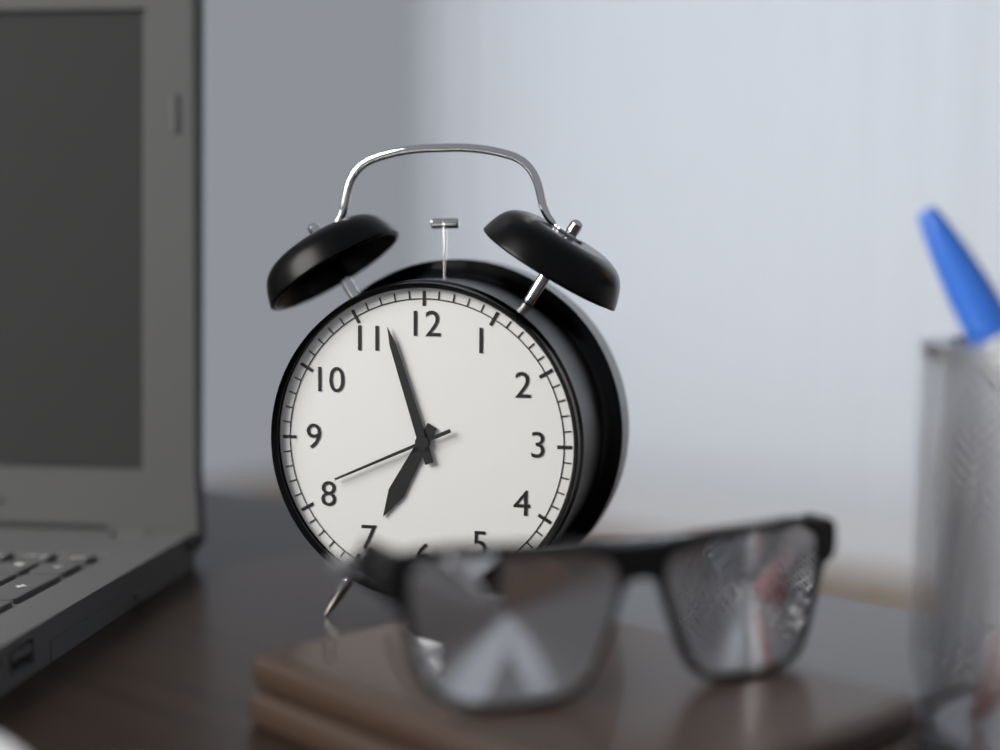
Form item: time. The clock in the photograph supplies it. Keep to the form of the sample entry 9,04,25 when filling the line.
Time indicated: 6,57,41
